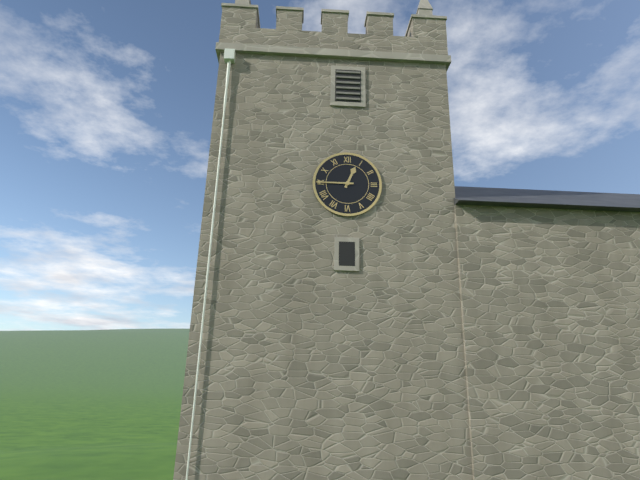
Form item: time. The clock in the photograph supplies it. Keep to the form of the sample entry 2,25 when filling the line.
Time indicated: 12,45
